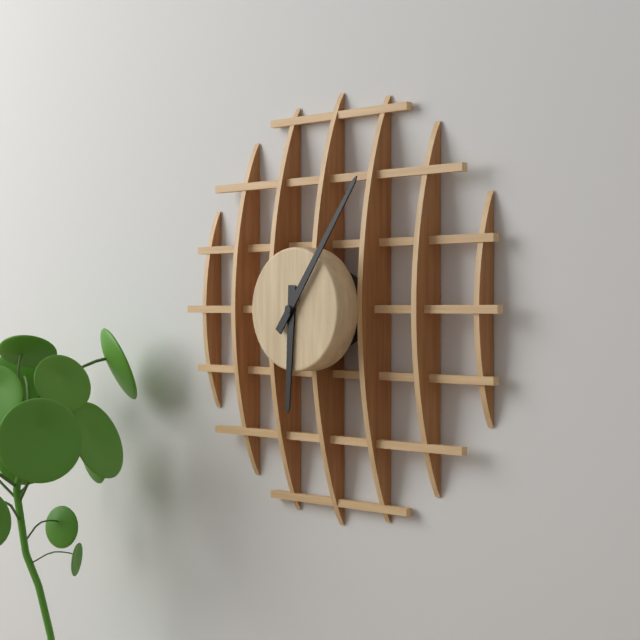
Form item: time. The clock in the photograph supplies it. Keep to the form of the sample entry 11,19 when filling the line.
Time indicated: 6,06
